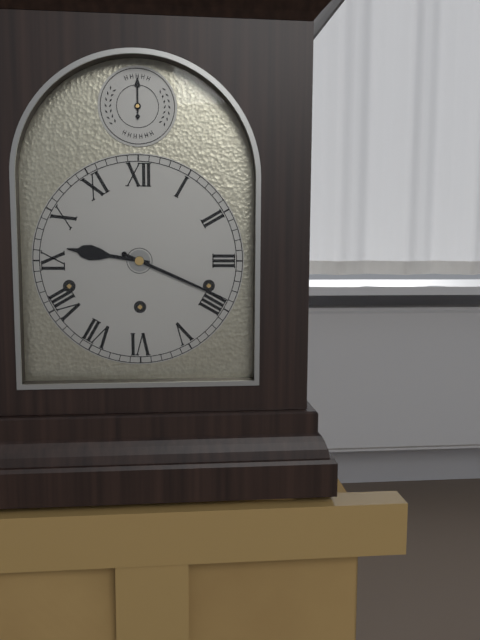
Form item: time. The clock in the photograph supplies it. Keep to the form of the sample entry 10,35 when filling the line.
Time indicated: 9,19
